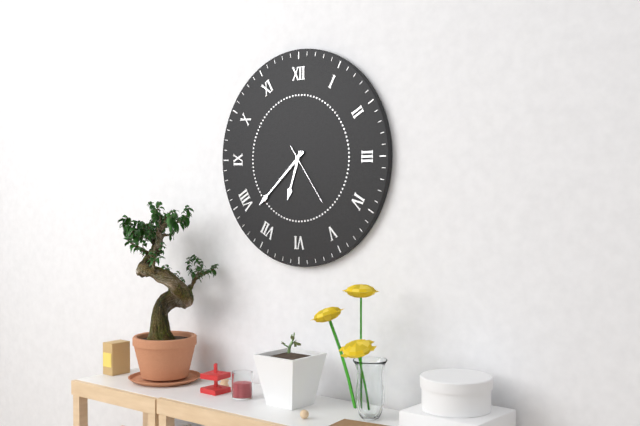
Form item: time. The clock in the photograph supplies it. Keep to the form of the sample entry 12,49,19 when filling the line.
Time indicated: 6,38,24
